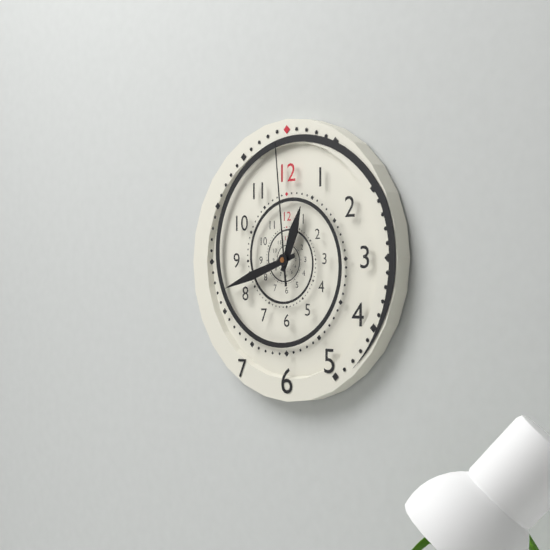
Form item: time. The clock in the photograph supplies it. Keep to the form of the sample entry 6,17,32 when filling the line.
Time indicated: 12,42,59
